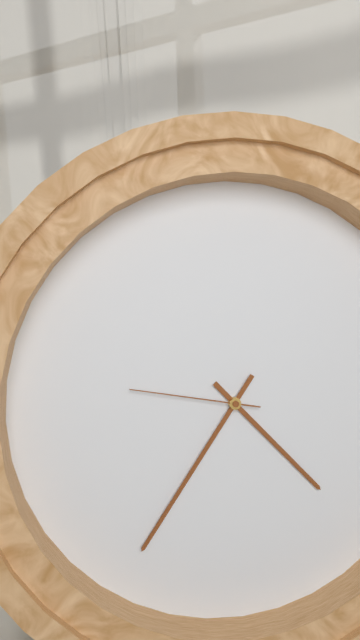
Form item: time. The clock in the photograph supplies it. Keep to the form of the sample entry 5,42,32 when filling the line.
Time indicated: 4,36,47
